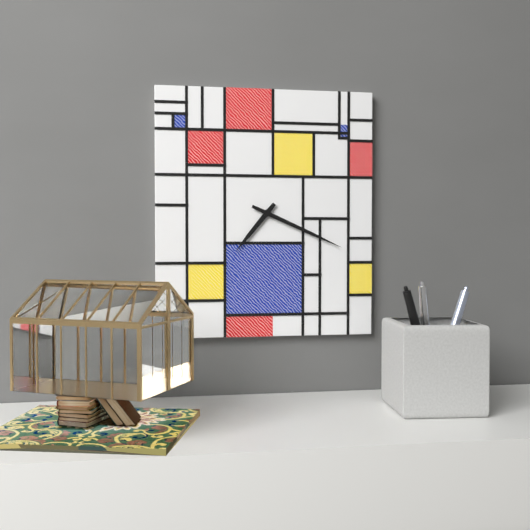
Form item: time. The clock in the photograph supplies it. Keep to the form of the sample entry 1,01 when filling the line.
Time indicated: 7,19
